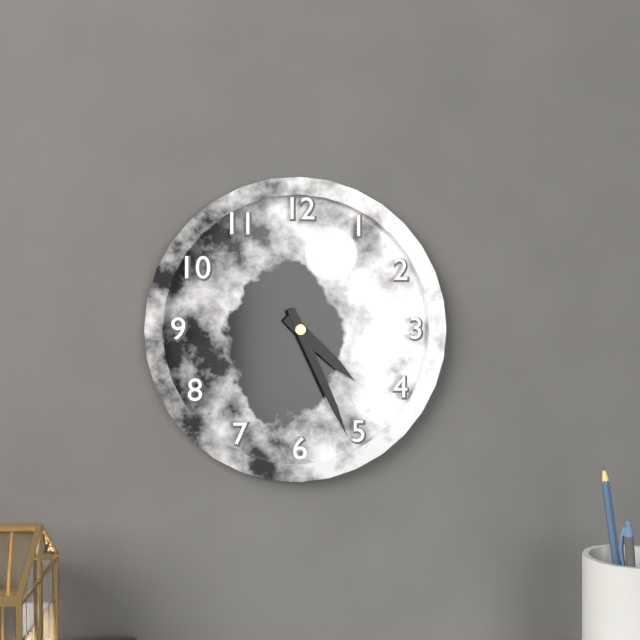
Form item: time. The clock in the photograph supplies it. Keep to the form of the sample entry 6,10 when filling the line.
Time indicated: 4,26
